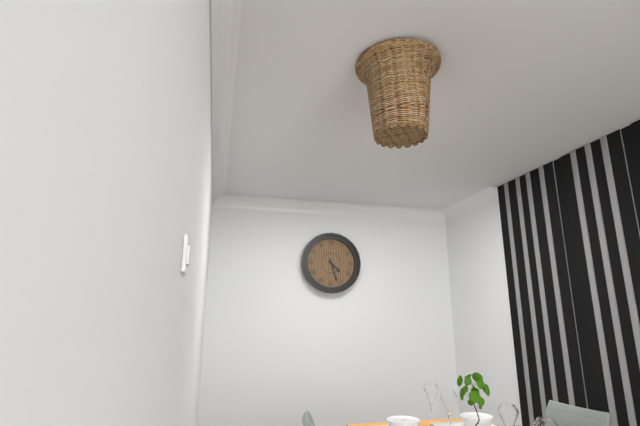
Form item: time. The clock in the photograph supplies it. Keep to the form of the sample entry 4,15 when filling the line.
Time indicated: 4,27
